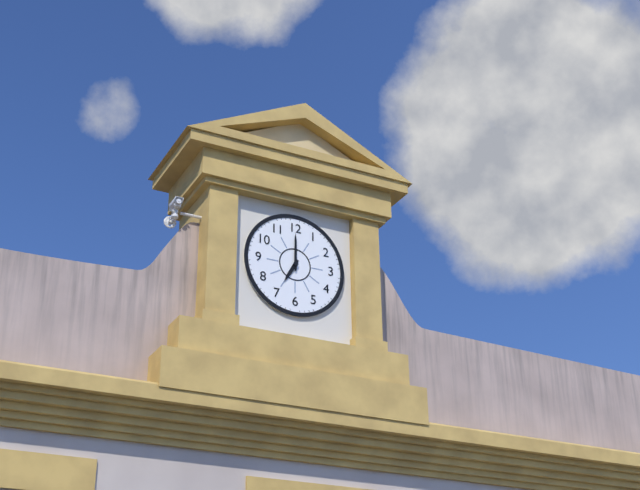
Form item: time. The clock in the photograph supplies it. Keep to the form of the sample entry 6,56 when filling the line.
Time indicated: 7,00
